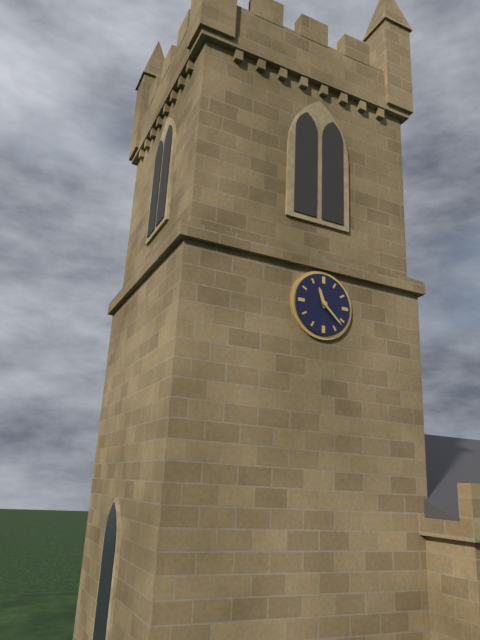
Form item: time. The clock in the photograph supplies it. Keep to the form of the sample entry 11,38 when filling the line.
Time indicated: 11,22
